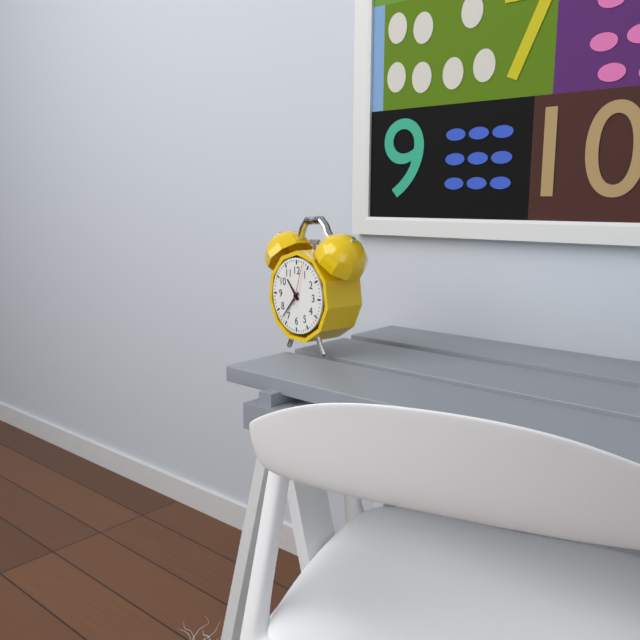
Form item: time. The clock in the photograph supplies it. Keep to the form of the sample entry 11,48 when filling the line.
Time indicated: 10,37
